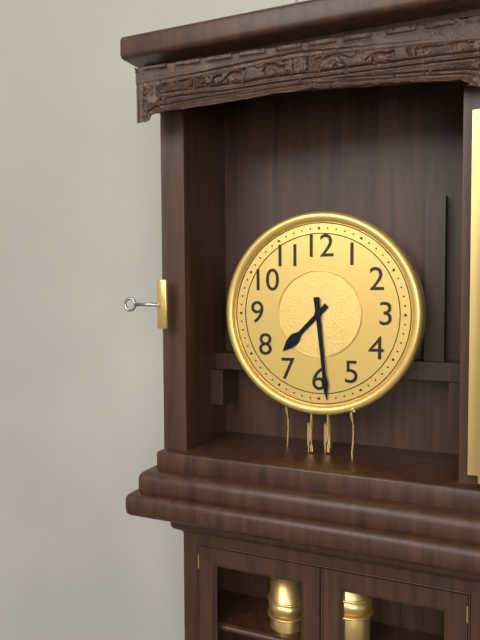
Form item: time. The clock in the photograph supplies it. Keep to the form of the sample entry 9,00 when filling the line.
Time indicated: 7,29
